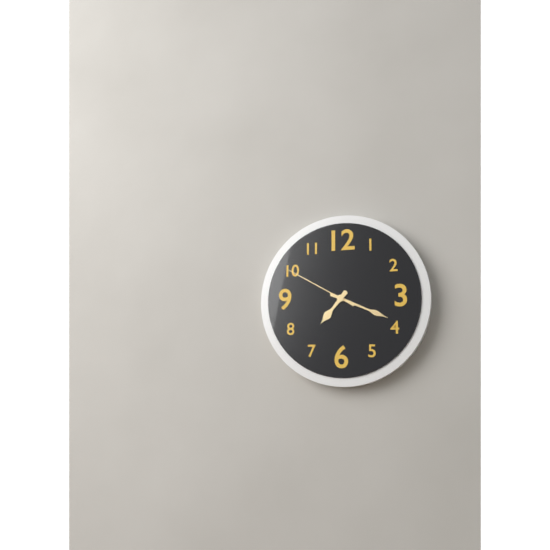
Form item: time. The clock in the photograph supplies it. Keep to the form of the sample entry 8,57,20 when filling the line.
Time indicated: 7,19,50
